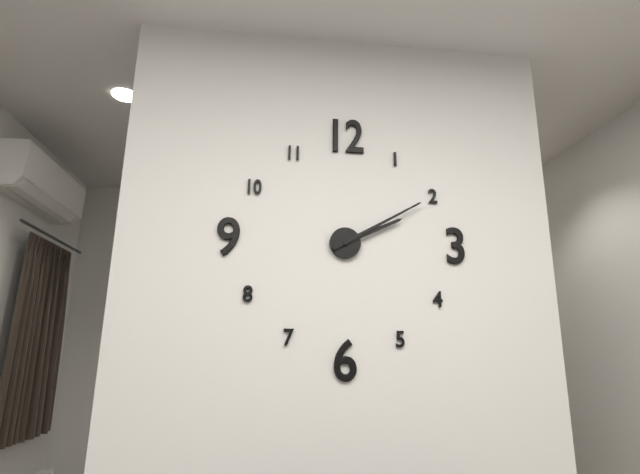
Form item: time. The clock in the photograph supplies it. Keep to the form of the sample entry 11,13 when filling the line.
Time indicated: 2,10
